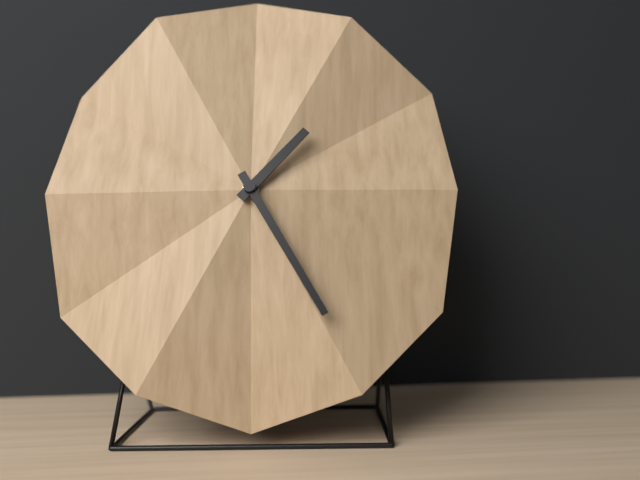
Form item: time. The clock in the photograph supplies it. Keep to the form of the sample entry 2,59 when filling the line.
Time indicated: 1,25
